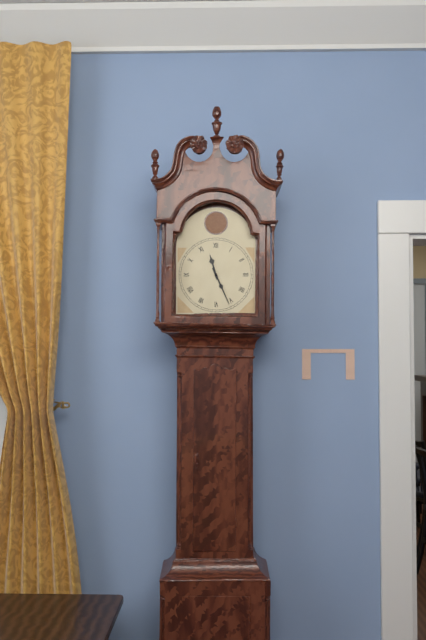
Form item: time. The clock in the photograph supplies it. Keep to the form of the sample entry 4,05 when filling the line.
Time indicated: 11,26
